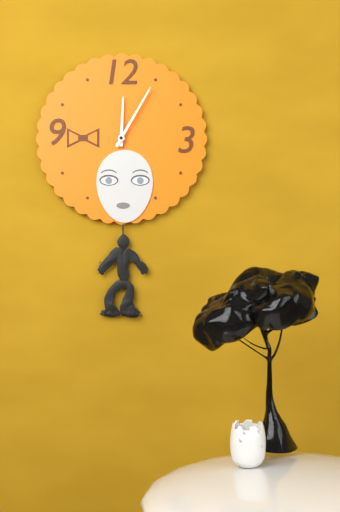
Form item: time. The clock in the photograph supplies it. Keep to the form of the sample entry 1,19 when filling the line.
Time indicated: 12,05
